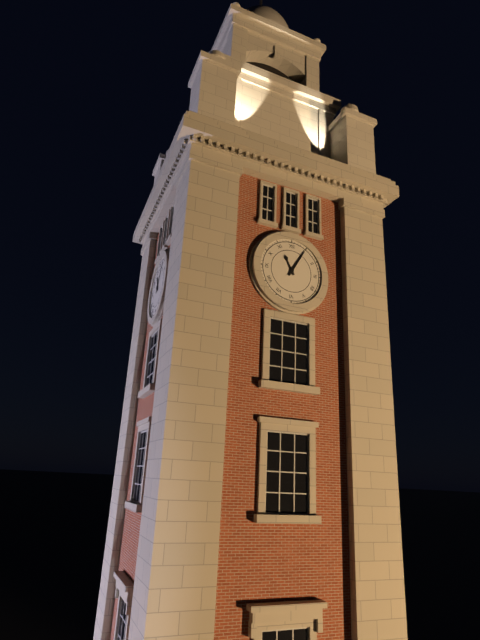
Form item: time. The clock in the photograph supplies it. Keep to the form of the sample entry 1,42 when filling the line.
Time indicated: 11,05
